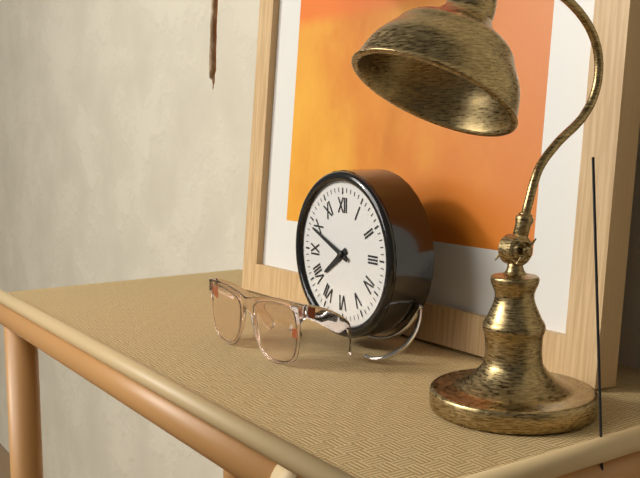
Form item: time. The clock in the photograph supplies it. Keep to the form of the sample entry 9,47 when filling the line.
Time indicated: 7,49
